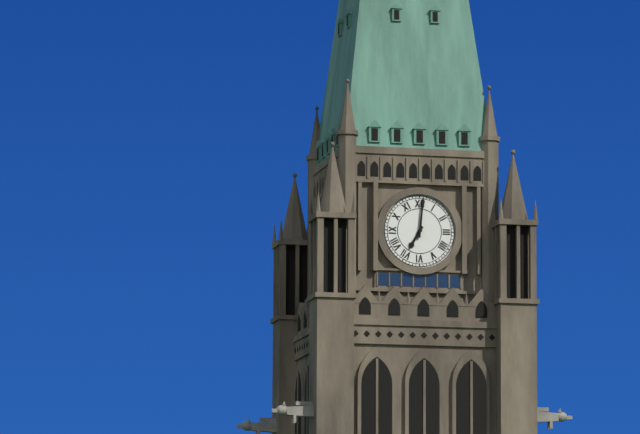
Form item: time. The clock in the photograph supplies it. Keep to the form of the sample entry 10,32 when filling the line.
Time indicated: 7,01
